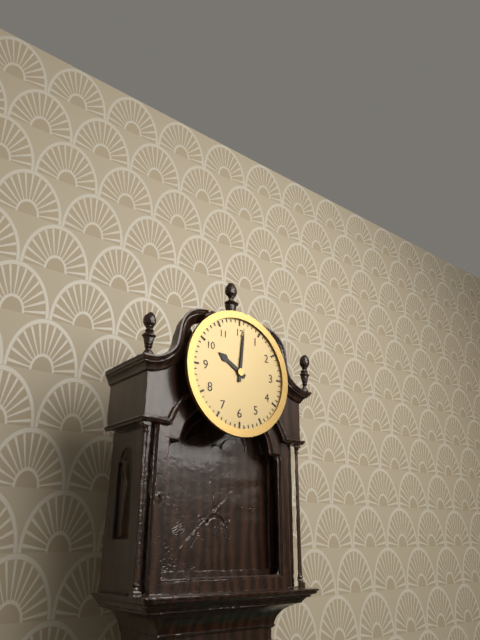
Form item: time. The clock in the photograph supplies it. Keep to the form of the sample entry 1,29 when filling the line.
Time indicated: 10,01
